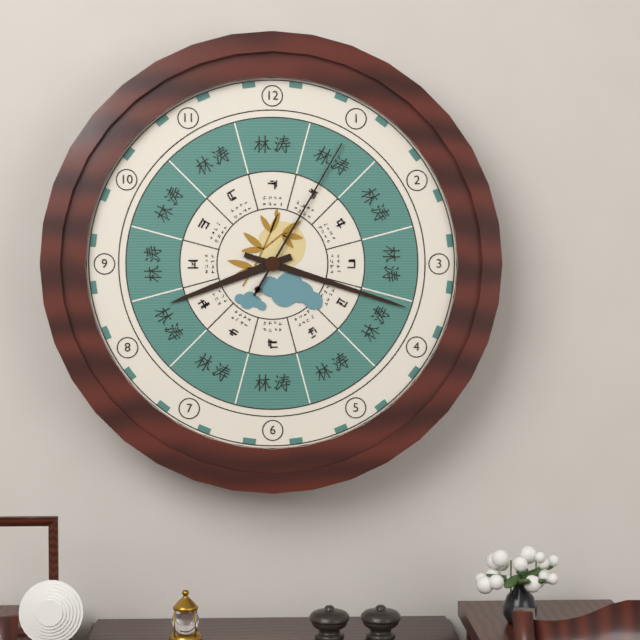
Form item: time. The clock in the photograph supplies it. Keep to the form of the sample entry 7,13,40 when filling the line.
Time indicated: 8,18,05
